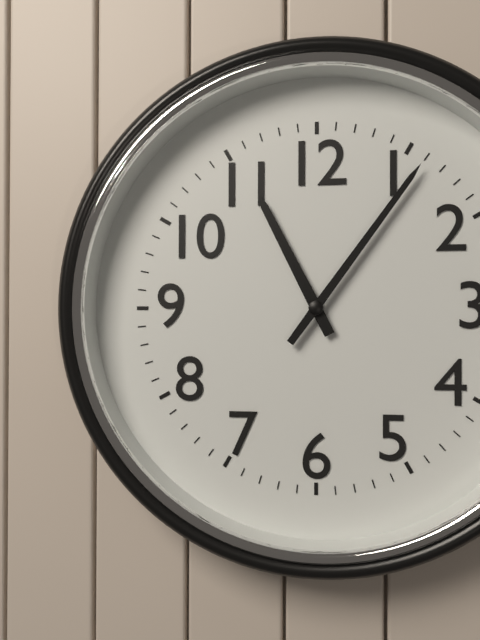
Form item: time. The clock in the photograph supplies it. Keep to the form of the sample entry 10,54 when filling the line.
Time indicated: 11,06
